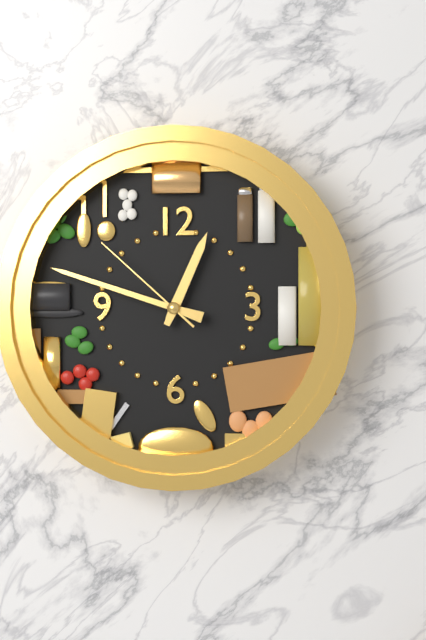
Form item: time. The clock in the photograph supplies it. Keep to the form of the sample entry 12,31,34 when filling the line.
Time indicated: 12,48,52
